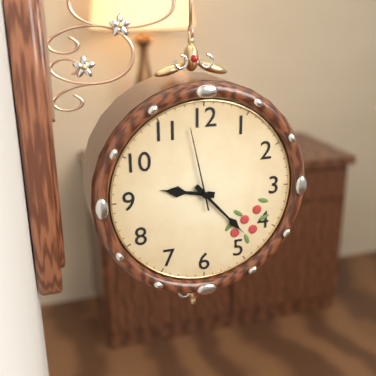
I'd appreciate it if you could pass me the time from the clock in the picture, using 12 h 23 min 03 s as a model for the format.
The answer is 9 h 23 min 58 s
